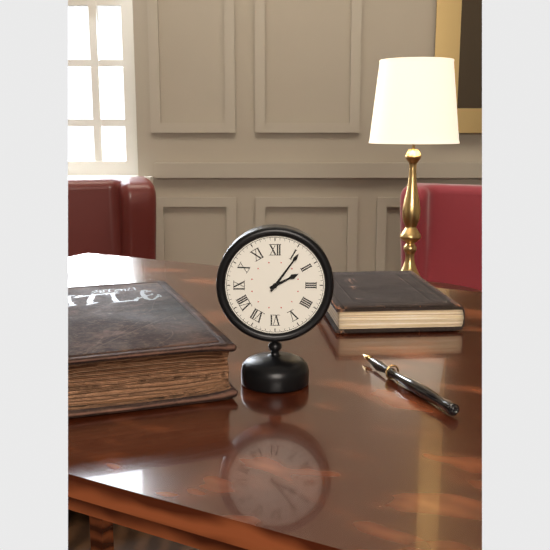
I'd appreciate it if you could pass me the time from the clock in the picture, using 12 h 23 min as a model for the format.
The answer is 2 h 06 min
